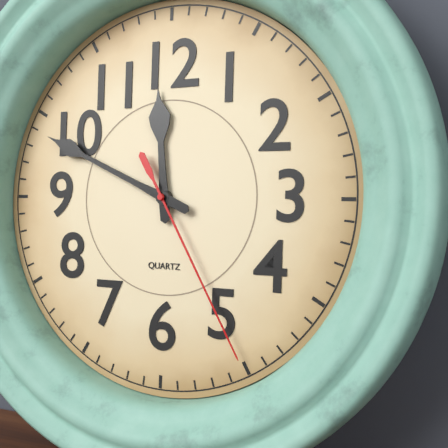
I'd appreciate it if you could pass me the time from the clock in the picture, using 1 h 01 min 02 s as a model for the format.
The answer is 11 h 49 min 25 s
